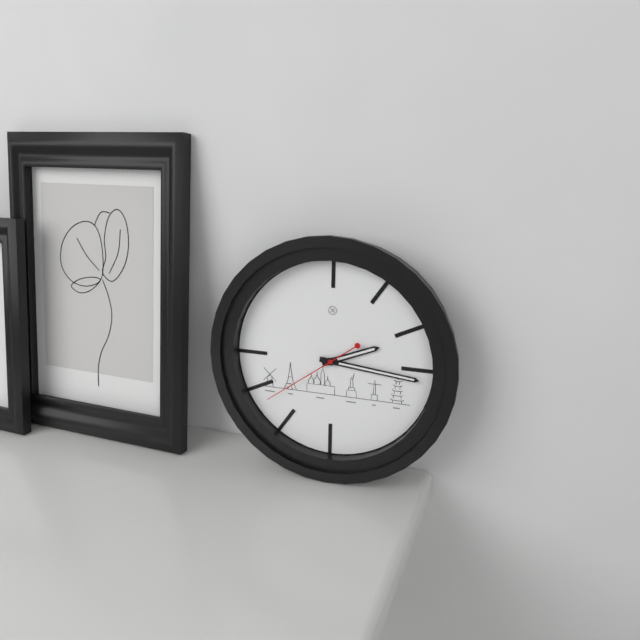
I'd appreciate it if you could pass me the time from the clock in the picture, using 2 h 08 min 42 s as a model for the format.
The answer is 2 h 16 min 39 s
